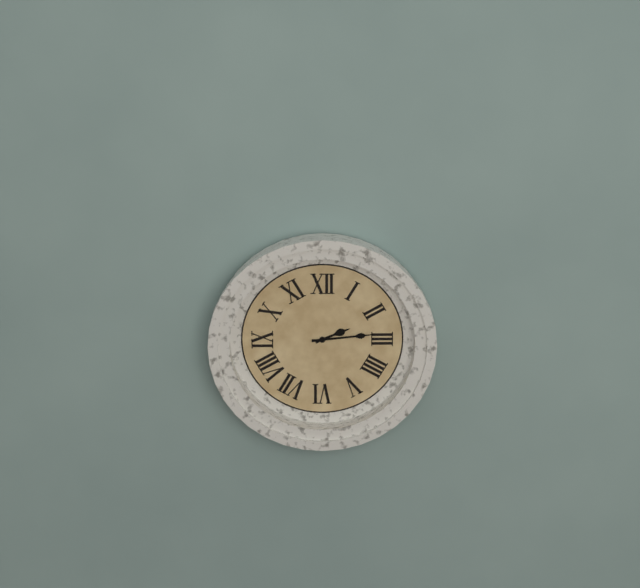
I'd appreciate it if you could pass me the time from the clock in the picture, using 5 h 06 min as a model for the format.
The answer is 2 h 14 min
